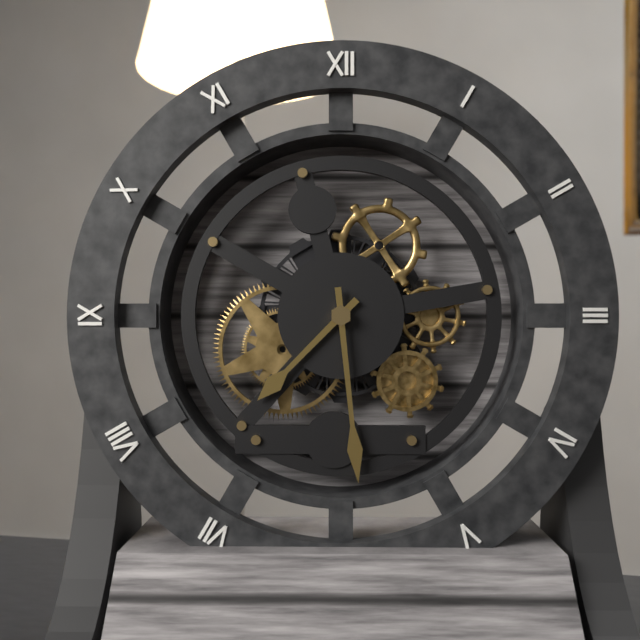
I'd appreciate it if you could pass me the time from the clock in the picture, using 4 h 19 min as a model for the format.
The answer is 7 h 29 min
